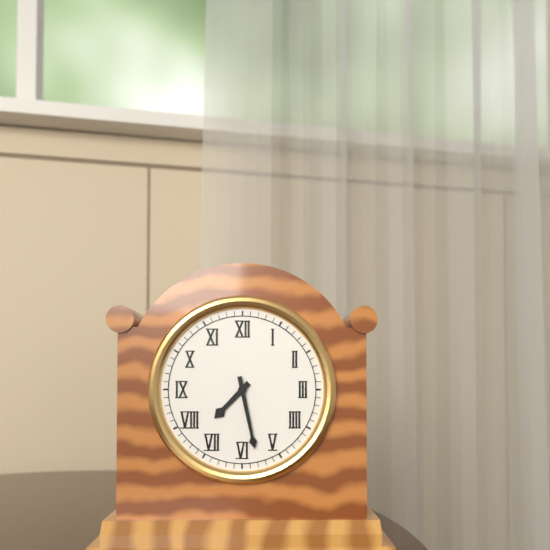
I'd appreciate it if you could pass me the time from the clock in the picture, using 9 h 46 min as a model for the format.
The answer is 7 h 28 min
